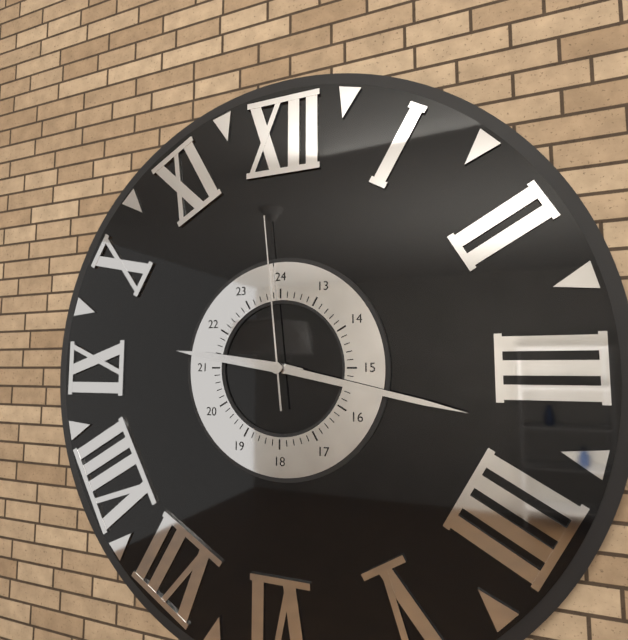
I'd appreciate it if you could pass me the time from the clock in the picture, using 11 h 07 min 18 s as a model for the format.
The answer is 9 h 17 min 59 s
